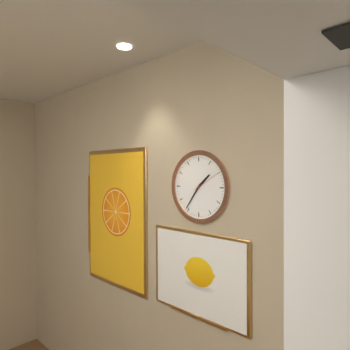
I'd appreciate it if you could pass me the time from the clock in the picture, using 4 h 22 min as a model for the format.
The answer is 1 h 36 min
